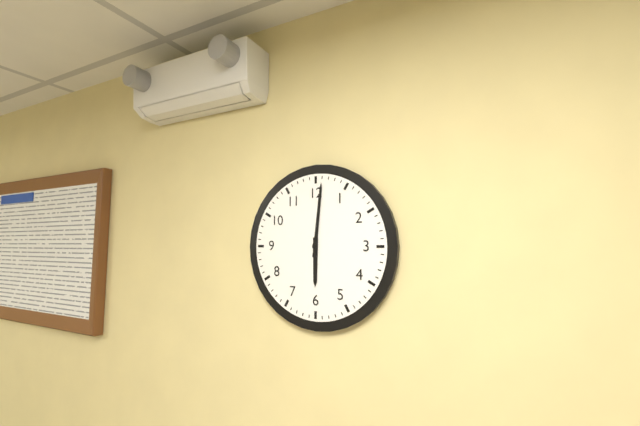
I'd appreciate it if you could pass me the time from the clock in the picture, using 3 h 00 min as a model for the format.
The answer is 6 h 01 min
